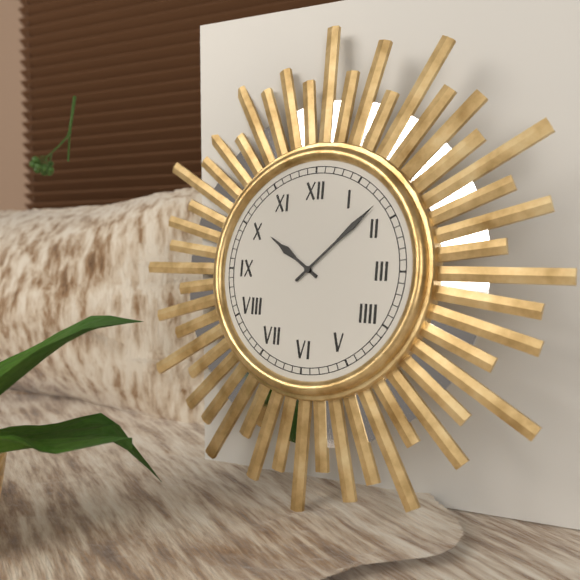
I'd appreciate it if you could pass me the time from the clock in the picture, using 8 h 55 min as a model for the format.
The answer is 10 h 08 min
